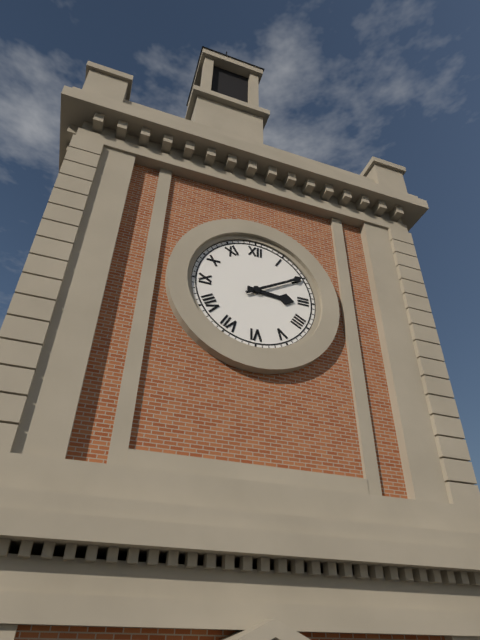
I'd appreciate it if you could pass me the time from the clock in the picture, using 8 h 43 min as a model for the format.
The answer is 3 h 10 min
